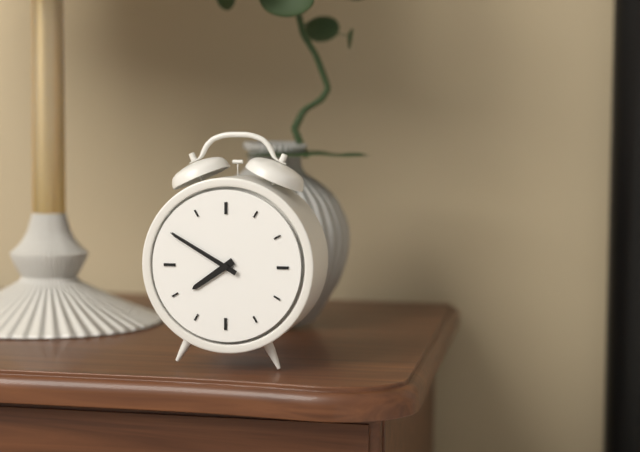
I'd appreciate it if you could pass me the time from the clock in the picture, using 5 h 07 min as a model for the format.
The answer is 7 h 50 min
